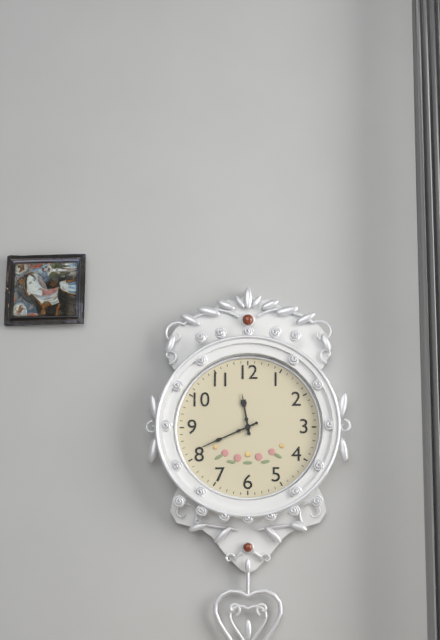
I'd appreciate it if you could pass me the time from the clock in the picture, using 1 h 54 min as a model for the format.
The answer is 11 h 41 min
